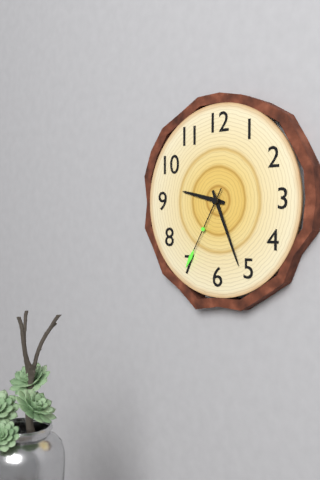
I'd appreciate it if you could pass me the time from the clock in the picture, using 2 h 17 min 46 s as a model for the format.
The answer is 9 h 26 min 35 s
